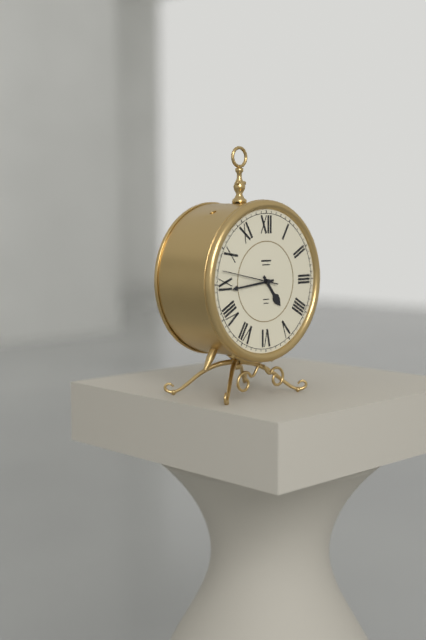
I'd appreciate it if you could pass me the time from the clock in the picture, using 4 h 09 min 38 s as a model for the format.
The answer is 4 h 44 min 47 s
